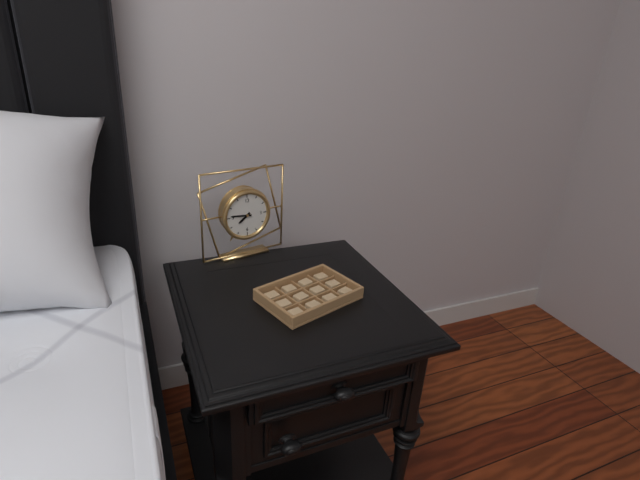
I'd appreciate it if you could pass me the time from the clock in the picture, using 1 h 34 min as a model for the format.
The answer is 7 h 46 min
